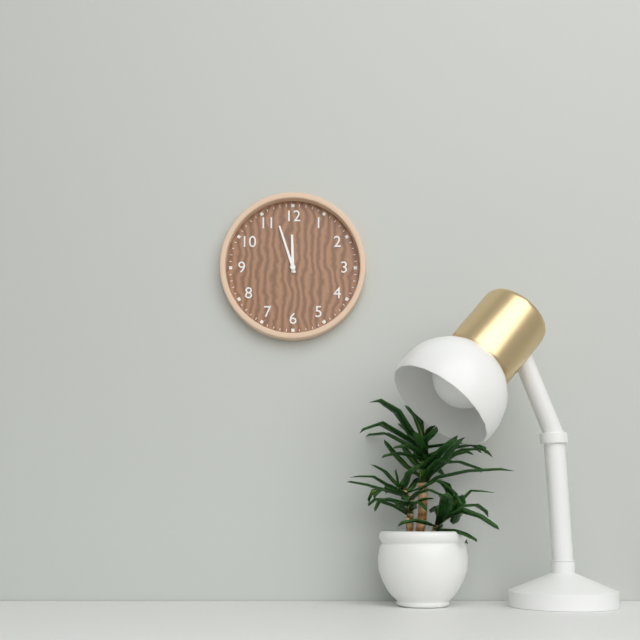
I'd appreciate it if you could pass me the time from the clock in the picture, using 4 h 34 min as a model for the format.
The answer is 11 h 57 min
